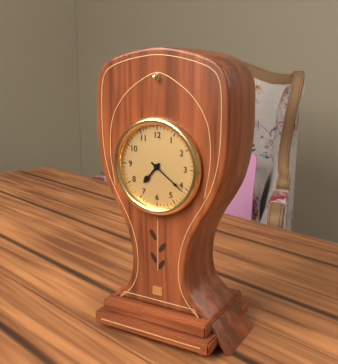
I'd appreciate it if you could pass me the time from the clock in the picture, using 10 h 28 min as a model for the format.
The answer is 7 h 21 min
